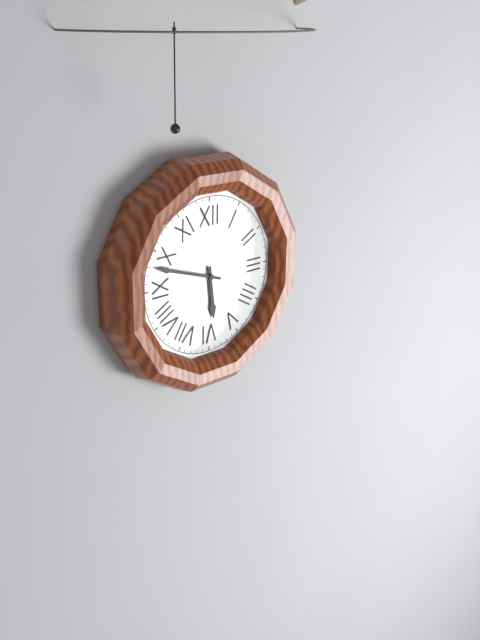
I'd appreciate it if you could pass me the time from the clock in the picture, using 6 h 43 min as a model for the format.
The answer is 5 h 48 min
